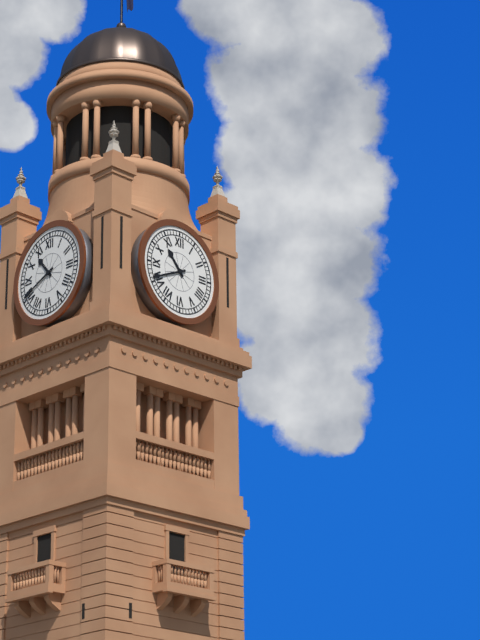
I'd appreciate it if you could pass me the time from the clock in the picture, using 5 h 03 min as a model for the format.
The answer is 10 h 41 min
